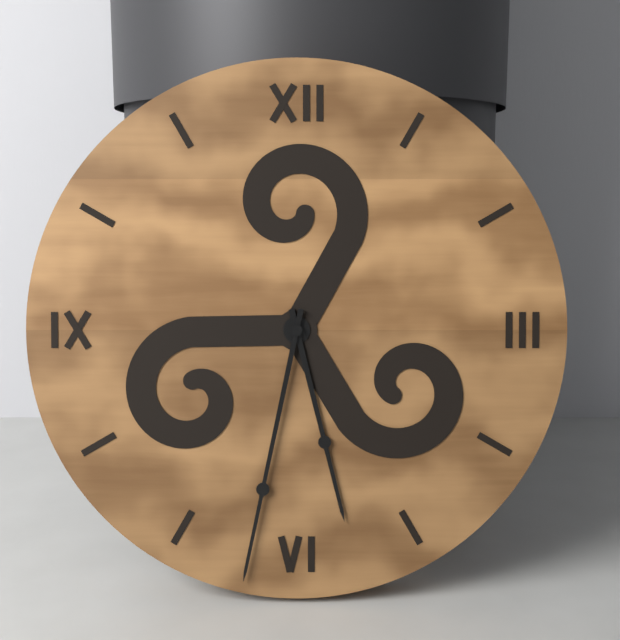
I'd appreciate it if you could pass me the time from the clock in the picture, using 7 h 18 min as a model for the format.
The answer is 5 h 32 min
